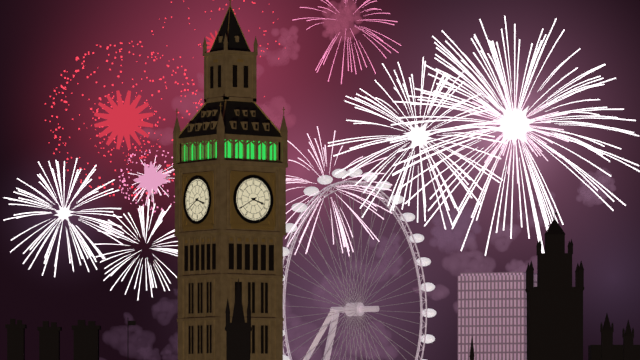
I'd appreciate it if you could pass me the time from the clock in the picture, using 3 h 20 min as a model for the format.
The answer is 3 h 40 min
